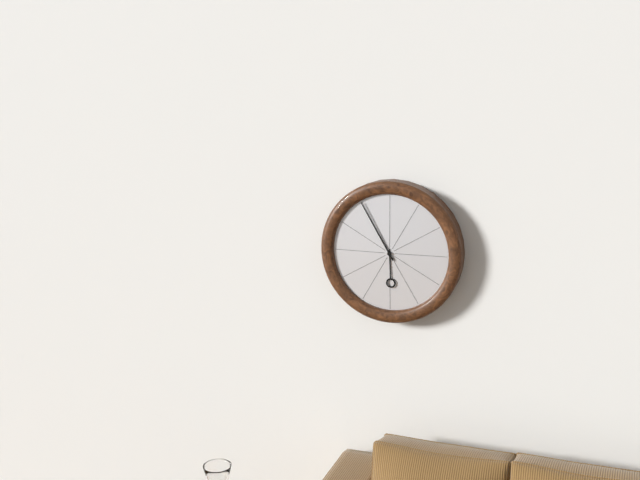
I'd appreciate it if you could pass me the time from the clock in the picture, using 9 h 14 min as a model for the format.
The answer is 5 h 55 min
